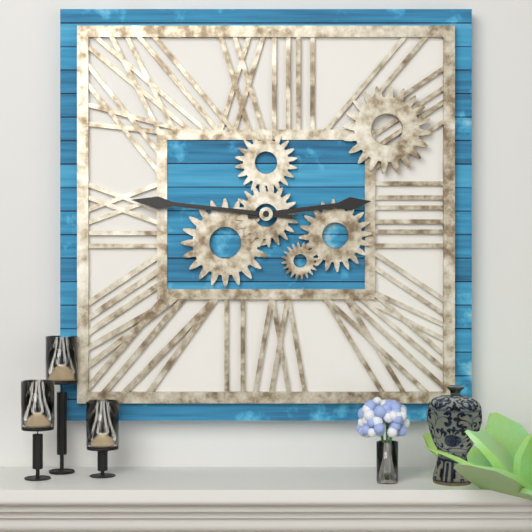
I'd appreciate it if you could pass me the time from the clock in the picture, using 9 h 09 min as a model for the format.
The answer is 2 h 46 min
